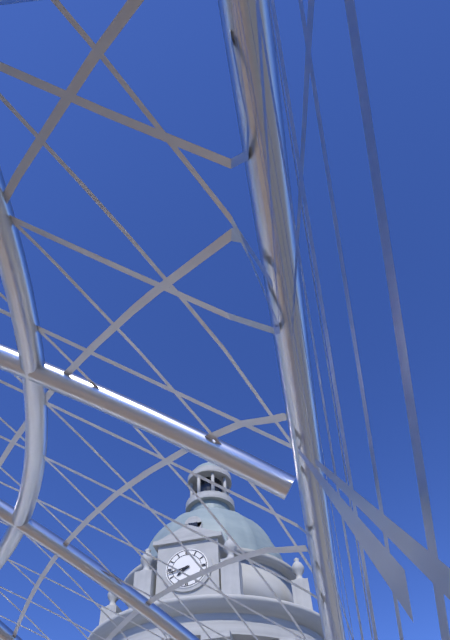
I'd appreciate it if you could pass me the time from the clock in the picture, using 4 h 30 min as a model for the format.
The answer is 7 h 43 min
